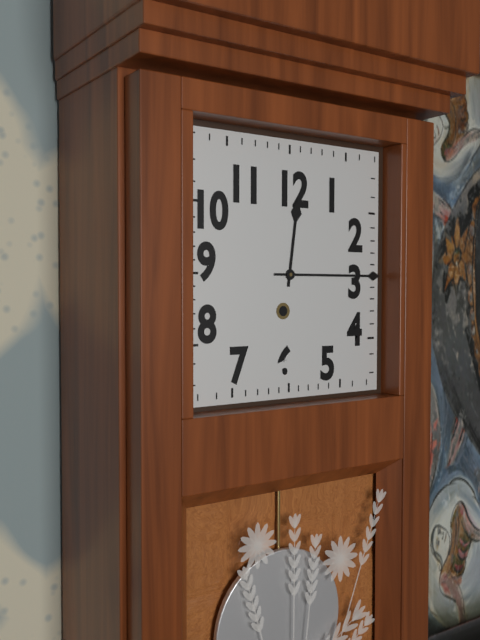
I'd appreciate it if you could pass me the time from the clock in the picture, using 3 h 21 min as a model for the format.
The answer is 12 h 15 min
